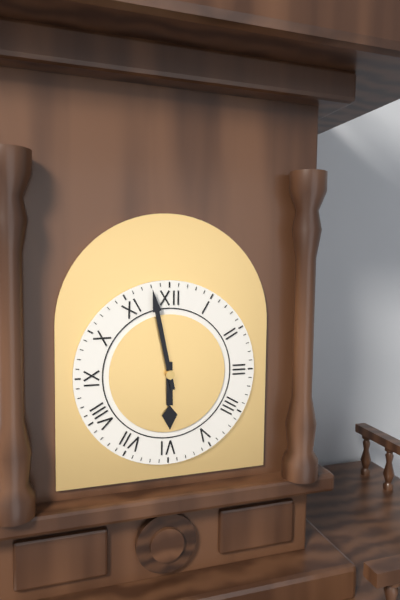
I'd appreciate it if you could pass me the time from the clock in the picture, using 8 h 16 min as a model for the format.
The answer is 5 h 58 min
